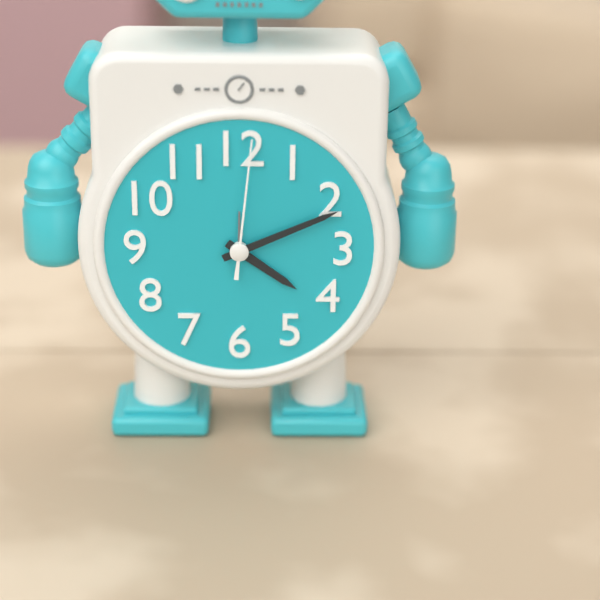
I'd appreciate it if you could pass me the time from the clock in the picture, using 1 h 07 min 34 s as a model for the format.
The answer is 4 h 11 min 01 s
